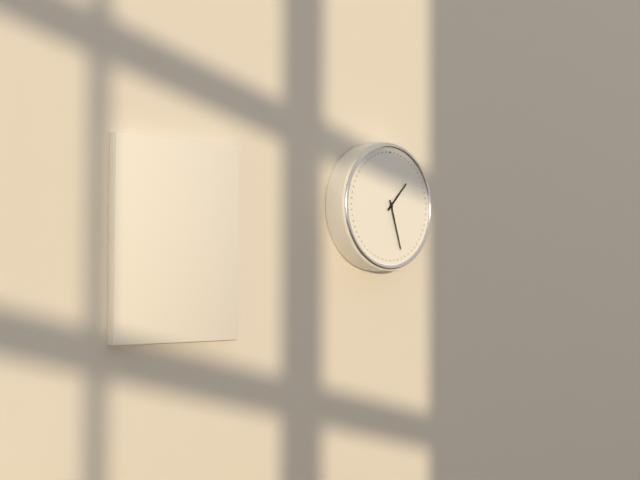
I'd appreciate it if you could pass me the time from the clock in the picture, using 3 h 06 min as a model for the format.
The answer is 1 h 27 min
